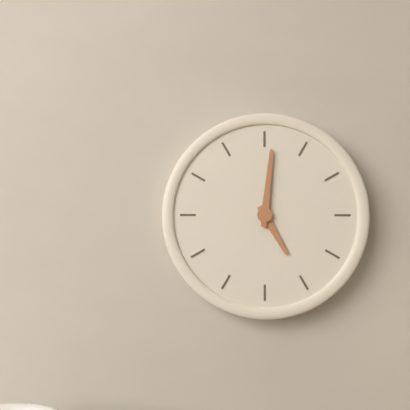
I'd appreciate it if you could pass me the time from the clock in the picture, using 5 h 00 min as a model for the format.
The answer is 5 h 01 min
